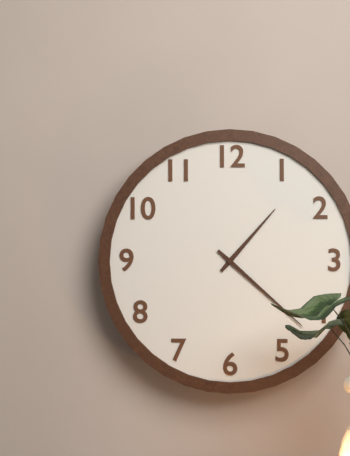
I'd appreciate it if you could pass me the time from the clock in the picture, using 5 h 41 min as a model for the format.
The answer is 1 h 22 min
